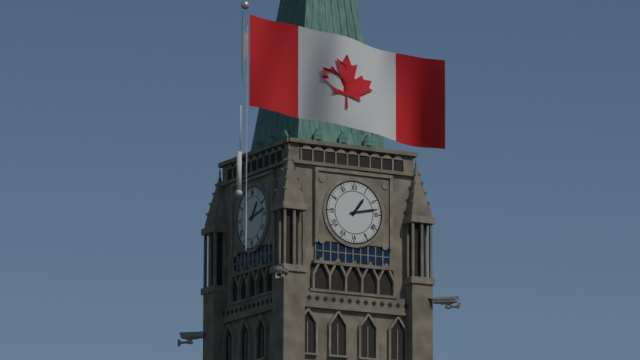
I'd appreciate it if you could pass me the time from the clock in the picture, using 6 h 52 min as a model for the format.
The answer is 1 h 13 min
